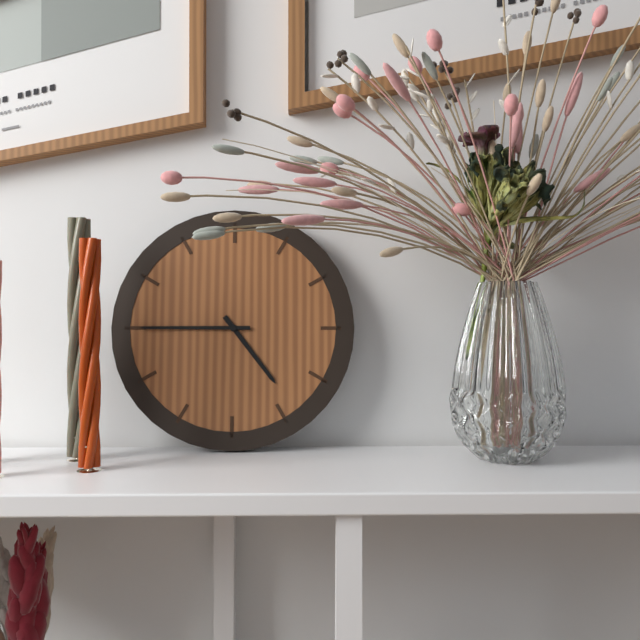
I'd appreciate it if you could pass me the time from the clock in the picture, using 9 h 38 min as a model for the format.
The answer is 4 h 45 min
